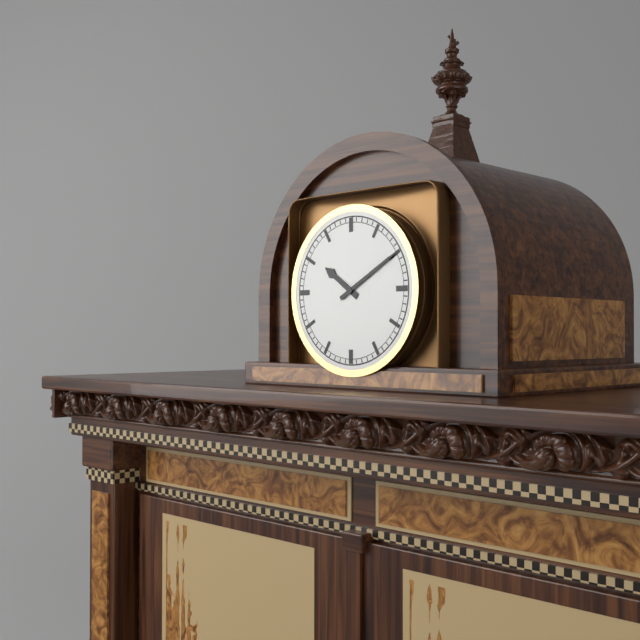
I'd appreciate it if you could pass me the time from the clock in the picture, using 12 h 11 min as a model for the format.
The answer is 10 h 10 min
